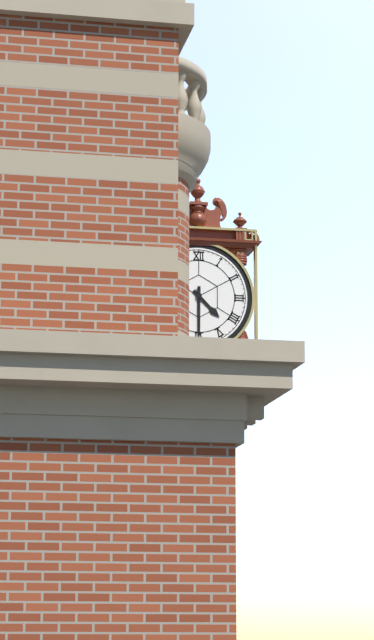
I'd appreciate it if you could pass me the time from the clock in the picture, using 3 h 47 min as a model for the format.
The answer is 4 h 30 min
